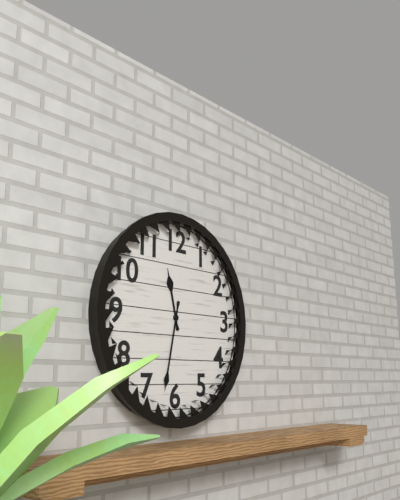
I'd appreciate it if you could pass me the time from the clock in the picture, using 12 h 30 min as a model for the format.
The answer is 11 h 32 min
